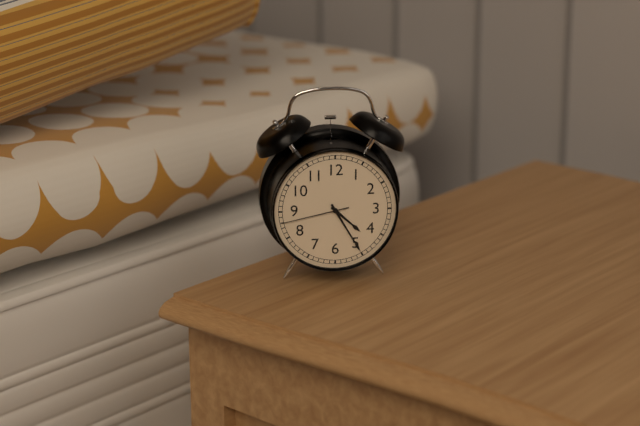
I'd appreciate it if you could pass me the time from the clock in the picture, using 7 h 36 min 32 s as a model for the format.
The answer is 4 h 25 min 43 s
